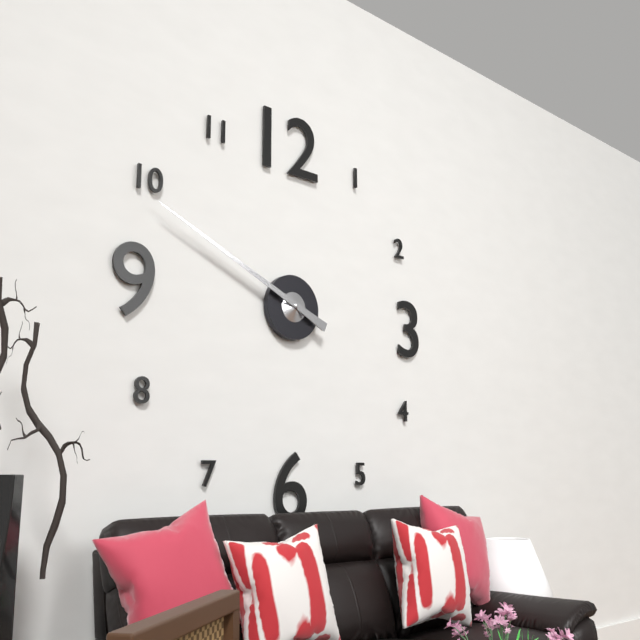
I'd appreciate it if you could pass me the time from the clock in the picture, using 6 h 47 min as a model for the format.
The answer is 9 h 49 min
